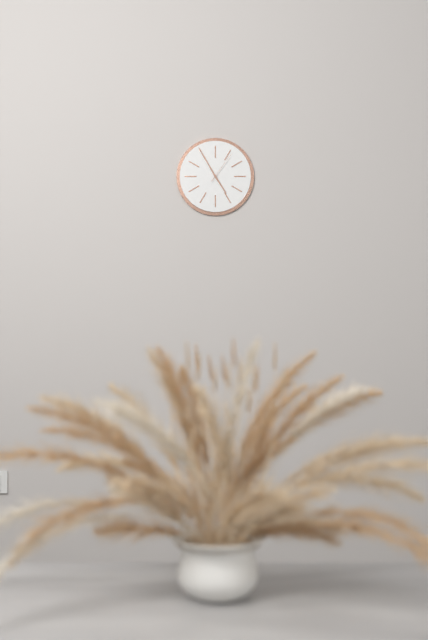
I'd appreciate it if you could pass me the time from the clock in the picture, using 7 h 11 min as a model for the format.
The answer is 4 h 55 min
